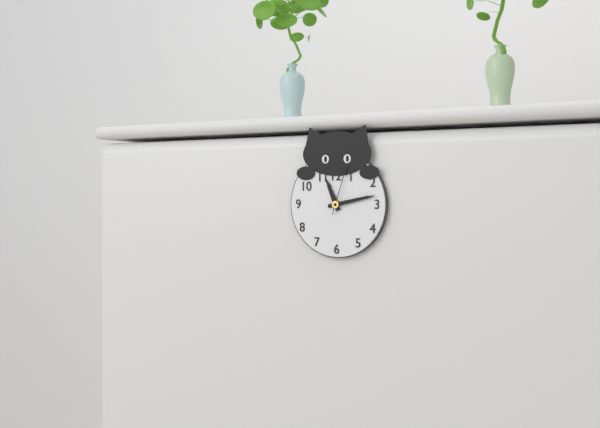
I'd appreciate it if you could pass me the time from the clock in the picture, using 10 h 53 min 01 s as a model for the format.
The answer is 11 h 13 min 03 s
